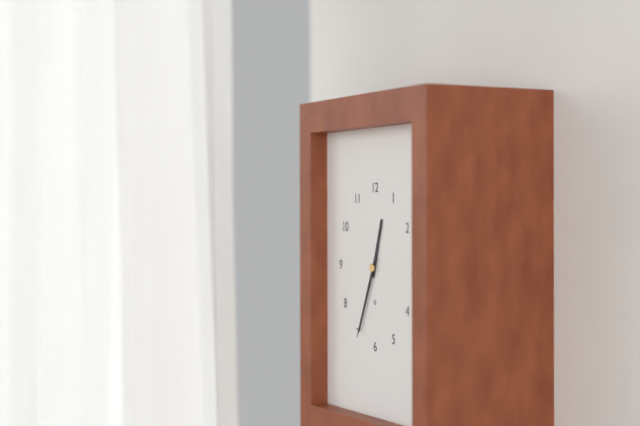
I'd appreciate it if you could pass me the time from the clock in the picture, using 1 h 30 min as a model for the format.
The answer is 12 h 34 min
